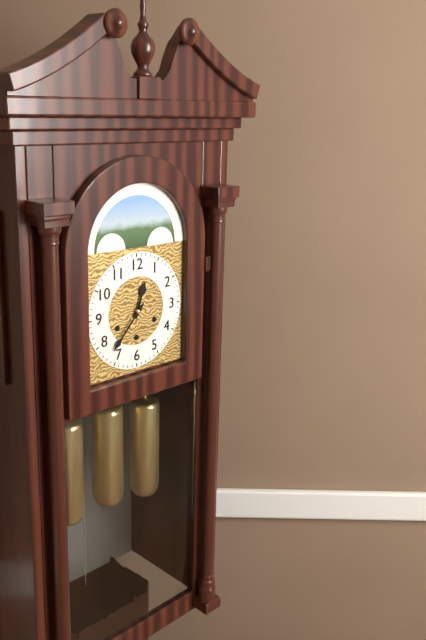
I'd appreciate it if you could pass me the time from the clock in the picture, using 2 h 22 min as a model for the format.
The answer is 12 h 37 min
